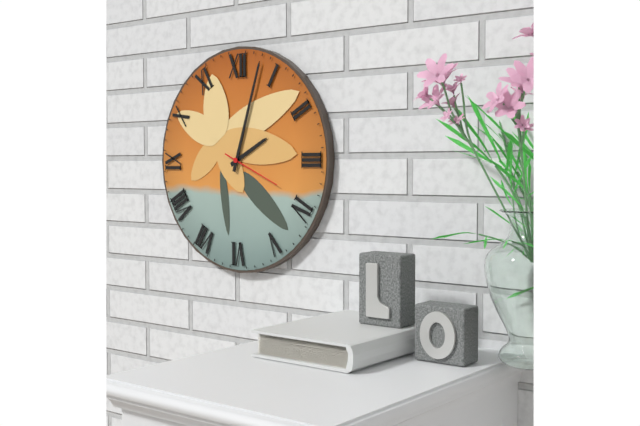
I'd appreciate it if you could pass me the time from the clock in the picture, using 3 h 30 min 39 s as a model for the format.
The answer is 2 h 03 min 19 s
